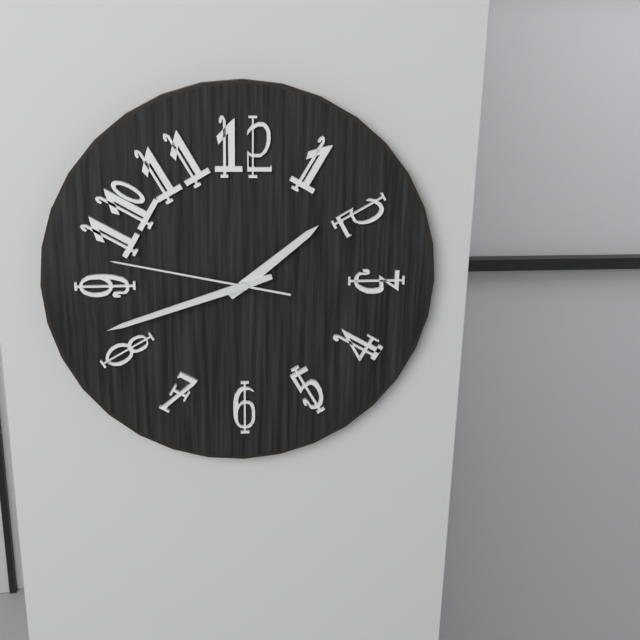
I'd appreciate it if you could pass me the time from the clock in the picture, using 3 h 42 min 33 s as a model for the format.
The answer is 1 h 42 min 47 s
